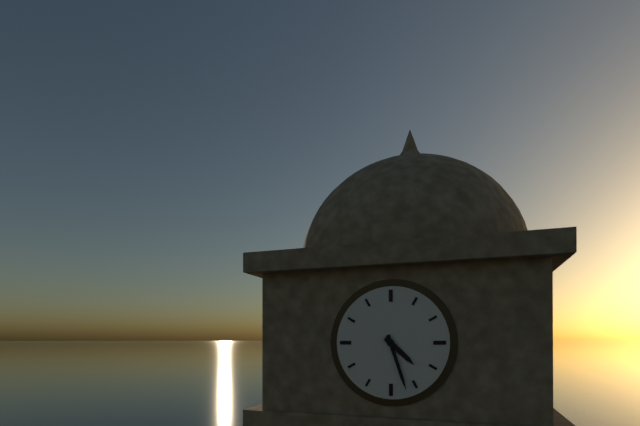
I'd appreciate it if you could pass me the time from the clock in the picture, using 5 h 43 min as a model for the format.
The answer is 4 h 27 min
